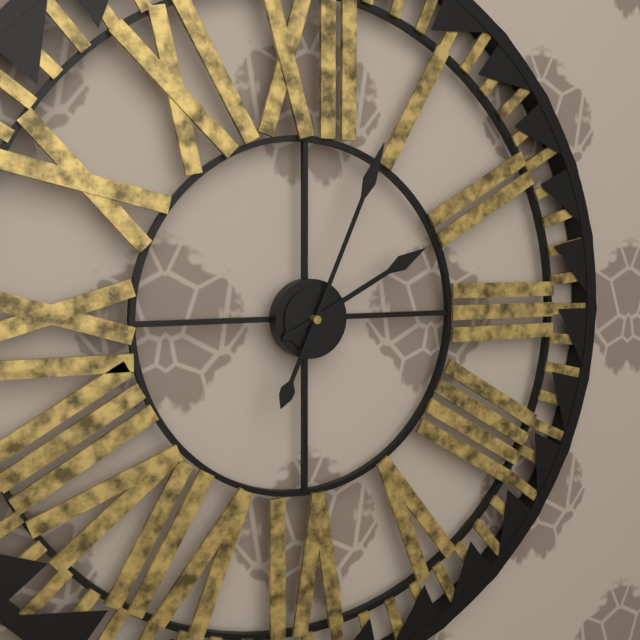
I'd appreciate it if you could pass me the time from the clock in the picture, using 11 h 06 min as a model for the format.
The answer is 2 h 04 min
